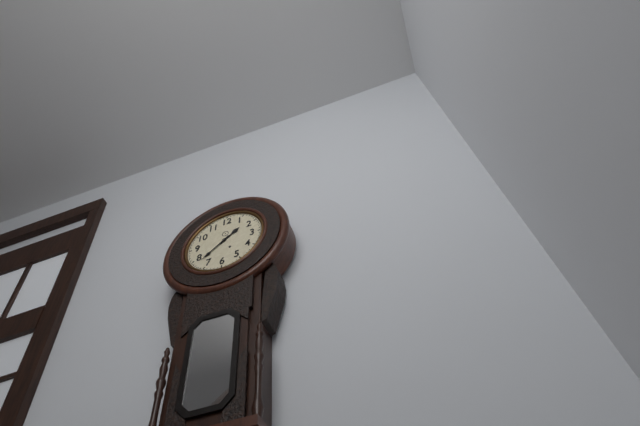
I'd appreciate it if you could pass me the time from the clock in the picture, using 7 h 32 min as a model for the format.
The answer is 1 h 38 min
